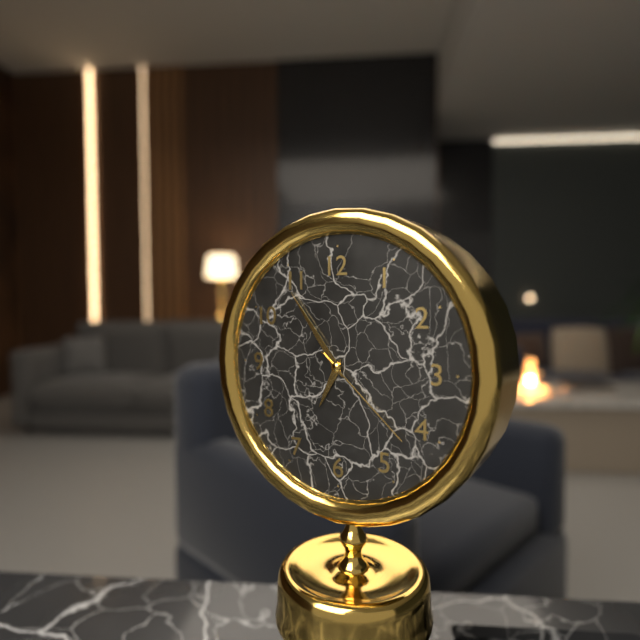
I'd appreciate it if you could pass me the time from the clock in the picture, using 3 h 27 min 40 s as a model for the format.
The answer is 6 h 54 min 22 s
